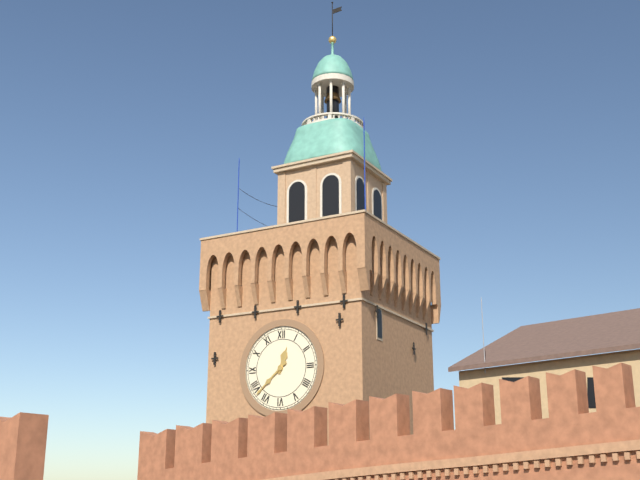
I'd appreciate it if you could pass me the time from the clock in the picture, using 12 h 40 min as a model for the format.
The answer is 12 h 38 min
